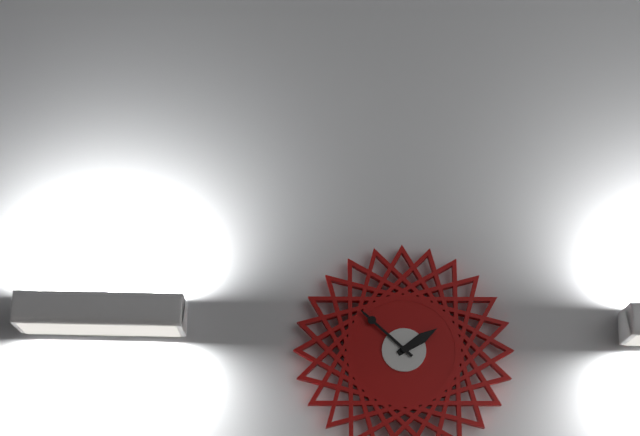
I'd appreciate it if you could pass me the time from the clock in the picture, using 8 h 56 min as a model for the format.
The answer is 1 h 52 min
